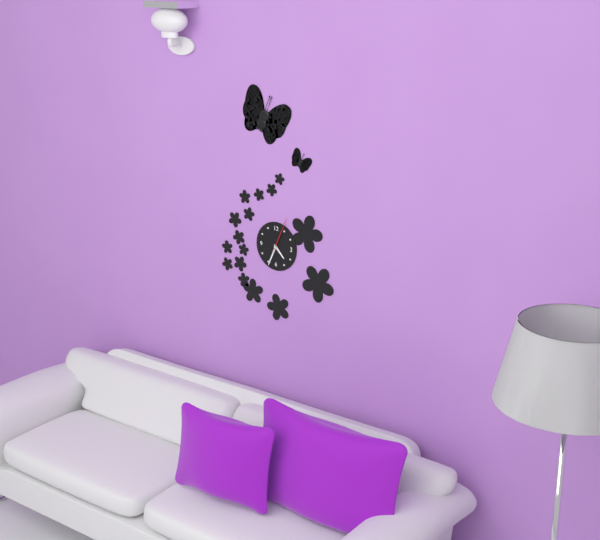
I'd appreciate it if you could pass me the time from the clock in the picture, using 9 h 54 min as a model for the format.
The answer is 4 h 34 min
